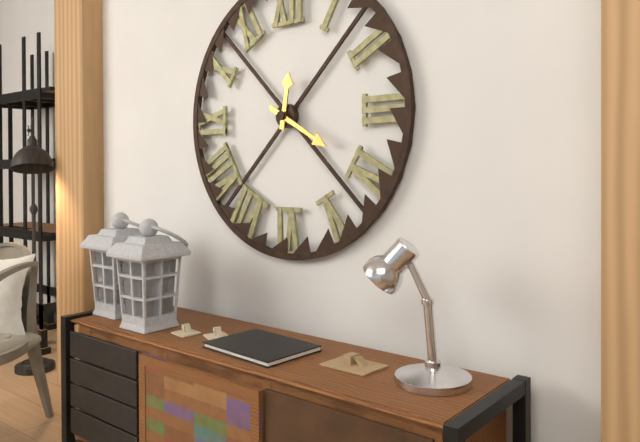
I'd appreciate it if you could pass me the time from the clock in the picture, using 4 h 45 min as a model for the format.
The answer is 12 h 20 min
